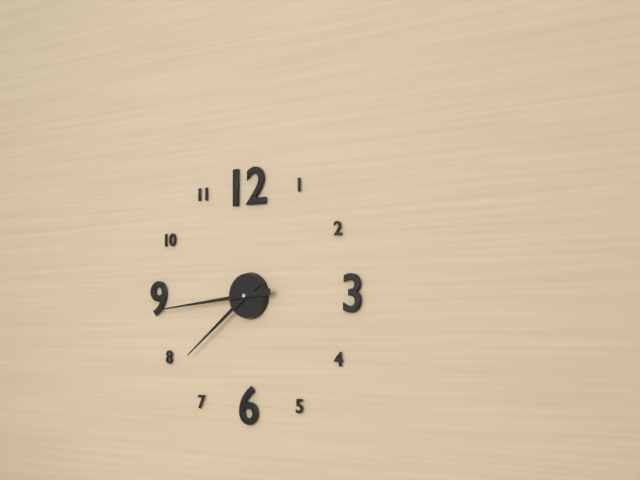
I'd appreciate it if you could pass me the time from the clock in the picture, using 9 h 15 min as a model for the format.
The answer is 7 h 44 min
